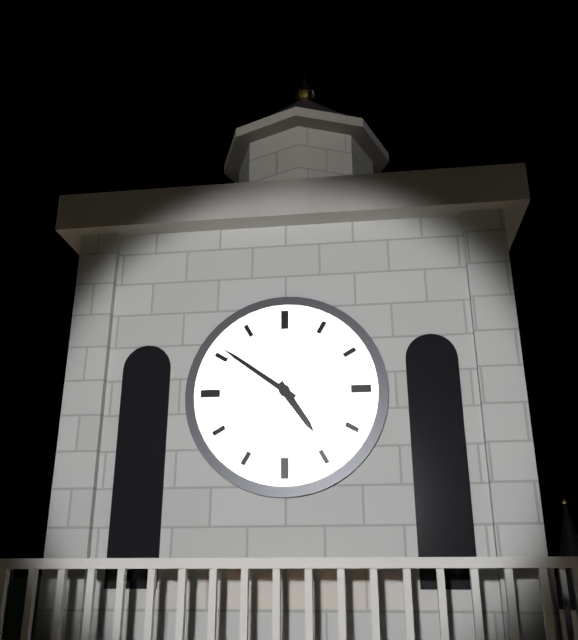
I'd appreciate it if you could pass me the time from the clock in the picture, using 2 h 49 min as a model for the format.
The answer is 4 h 51 min
